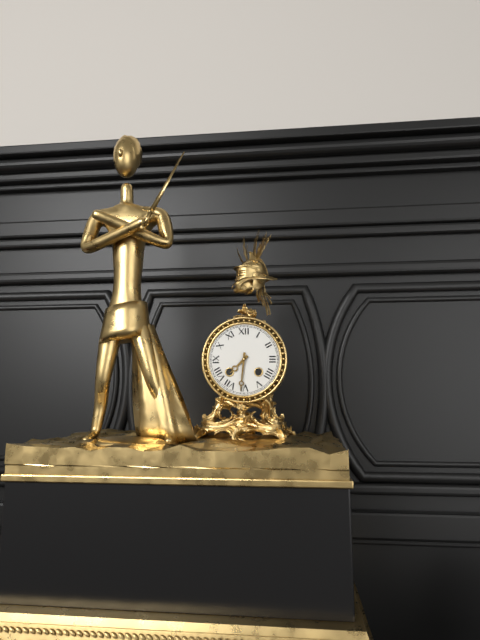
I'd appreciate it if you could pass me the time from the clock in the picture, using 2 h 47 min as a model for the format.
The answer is 7 h 31 min
